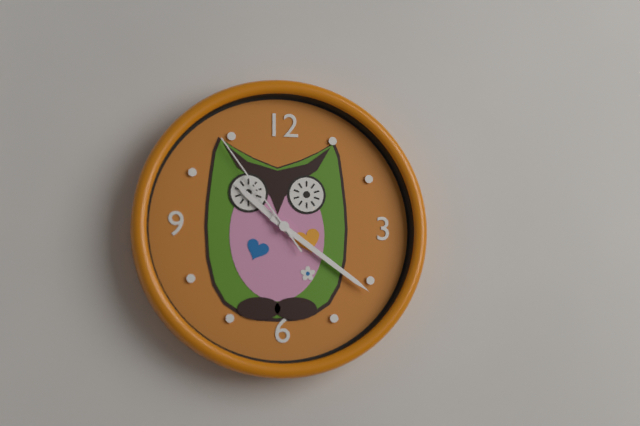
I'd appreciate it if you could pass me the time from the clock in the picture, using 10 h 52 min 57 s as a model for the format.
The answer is 10 h 21 min 54 s
